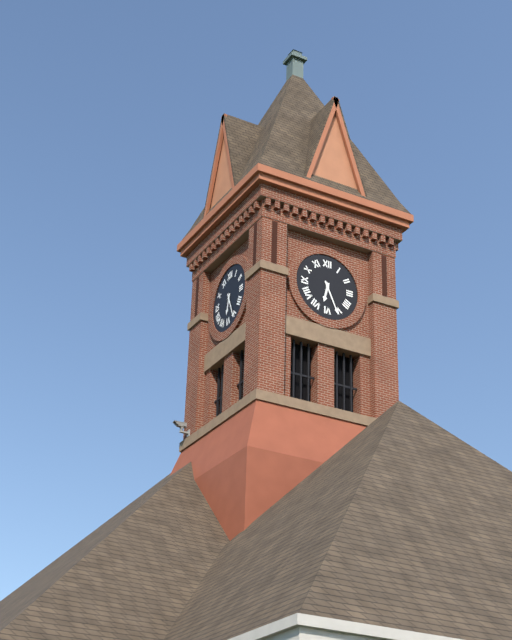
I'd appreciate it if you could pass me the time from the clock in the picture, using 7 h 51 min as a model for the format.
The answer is 6 h 26 min
